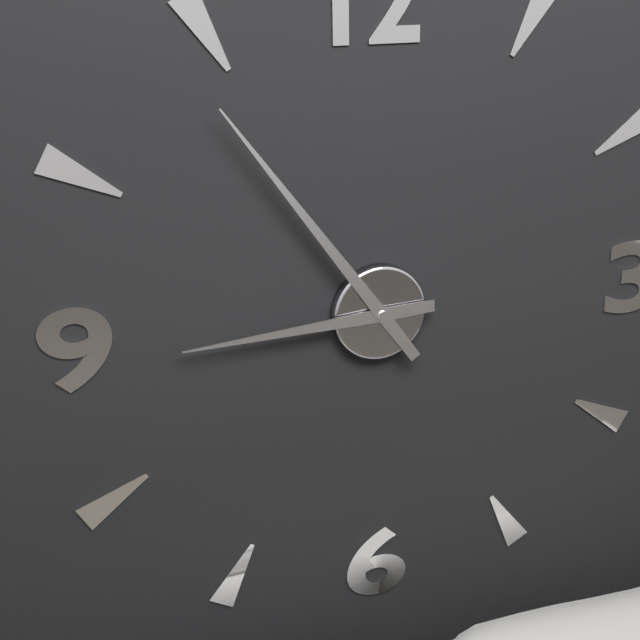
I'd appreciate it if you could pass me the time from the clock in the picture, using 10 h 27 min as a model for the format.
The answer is 8 h 54 min
